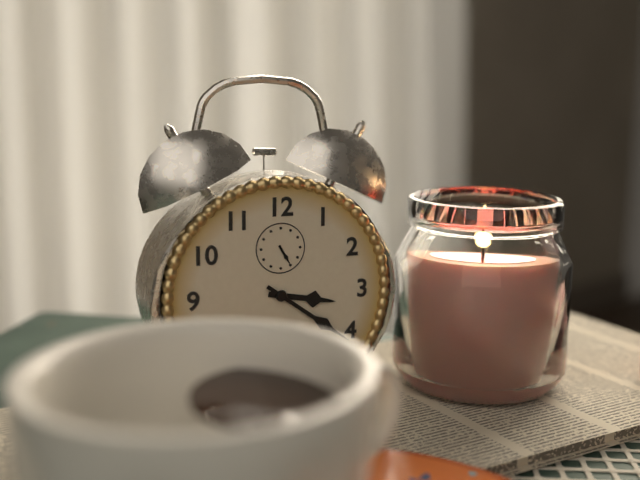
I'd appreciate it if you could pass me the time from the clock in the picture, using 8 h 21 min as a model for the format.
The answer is 3 h 21 min
